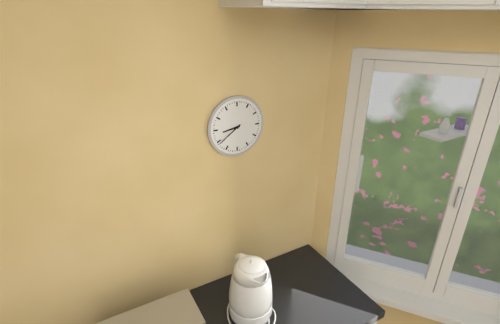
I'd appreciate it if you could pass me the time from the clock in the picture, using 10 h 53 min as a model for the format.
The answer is 8 h 39 min
